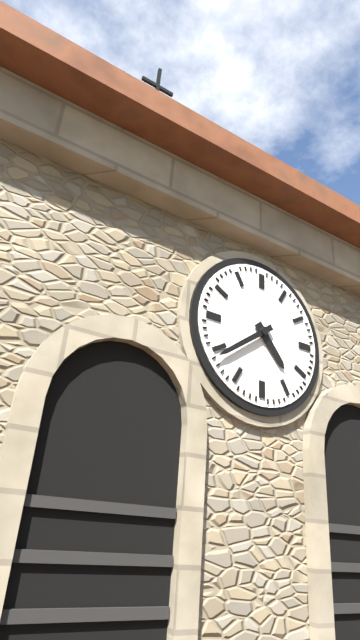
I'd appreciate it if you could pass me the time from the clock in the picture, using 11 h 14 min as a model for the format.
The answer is 4 h 39 min
